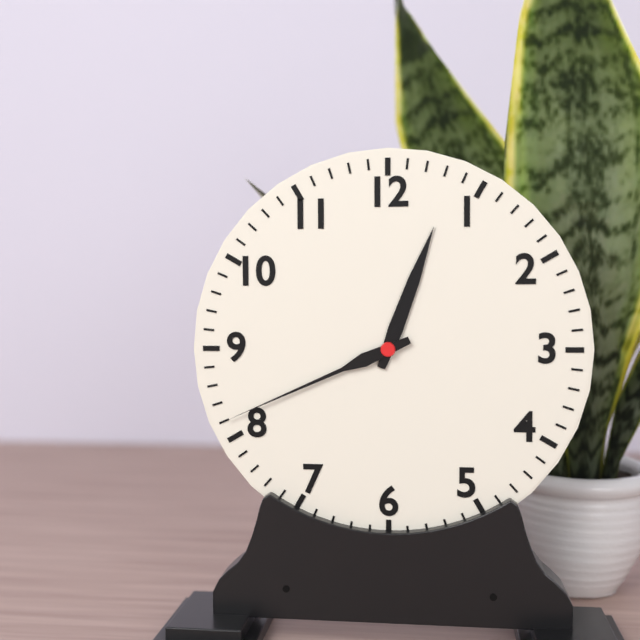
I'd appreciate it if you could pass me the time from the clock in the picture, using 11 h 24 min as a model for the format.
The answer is 12 h 41 min
